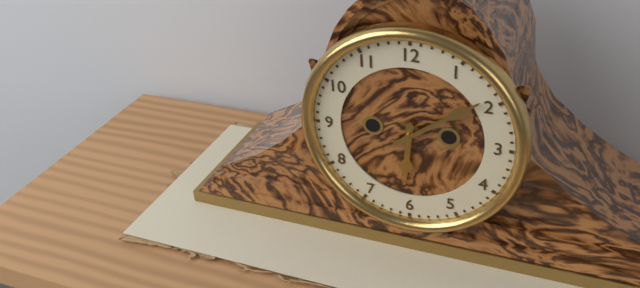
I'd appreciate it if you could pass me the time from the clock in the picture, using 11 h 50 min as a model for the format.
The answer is 6 h 09 min
